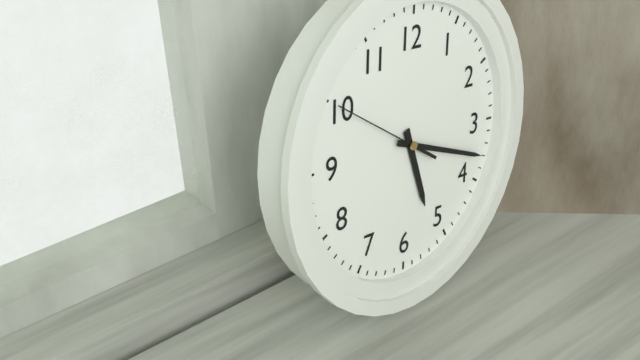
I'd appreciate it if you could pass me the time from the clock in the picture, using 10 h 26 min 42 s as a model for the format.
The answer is 5 h 18 min 50 s
